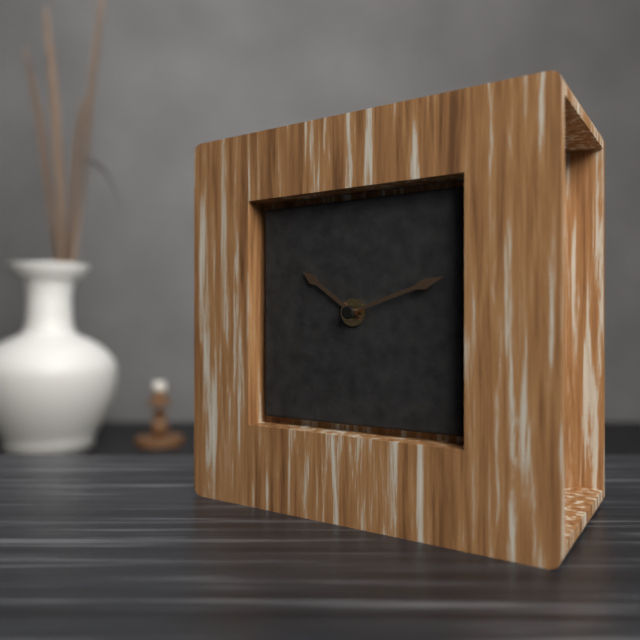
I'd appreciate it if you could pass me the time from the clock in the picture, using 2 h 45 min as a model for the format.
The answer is 10 h 12 min
